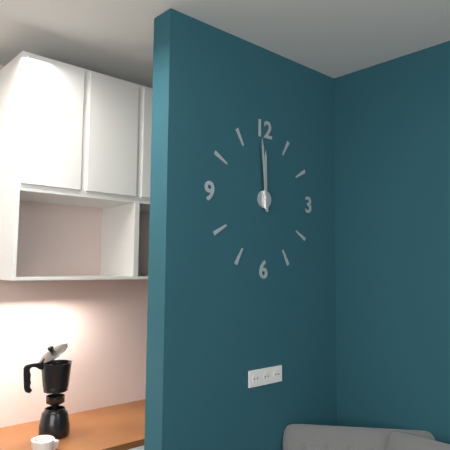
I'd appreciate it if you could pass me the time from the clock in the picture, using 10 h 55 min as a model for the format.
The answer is 11 h 59 min
